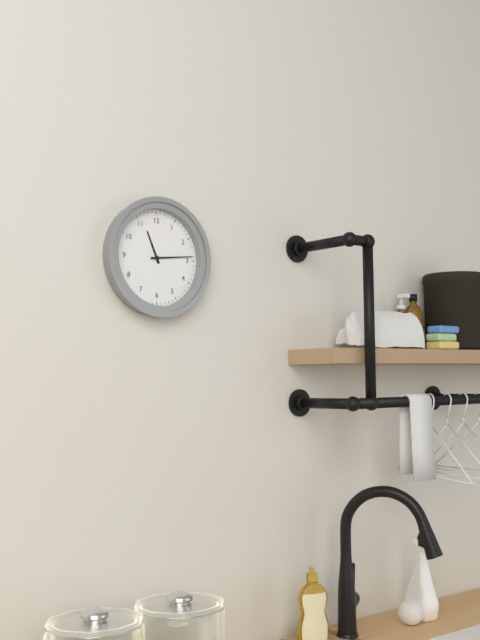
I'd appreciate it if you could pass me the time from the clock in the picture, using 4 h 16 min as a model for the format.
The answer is 11 h 14 min
